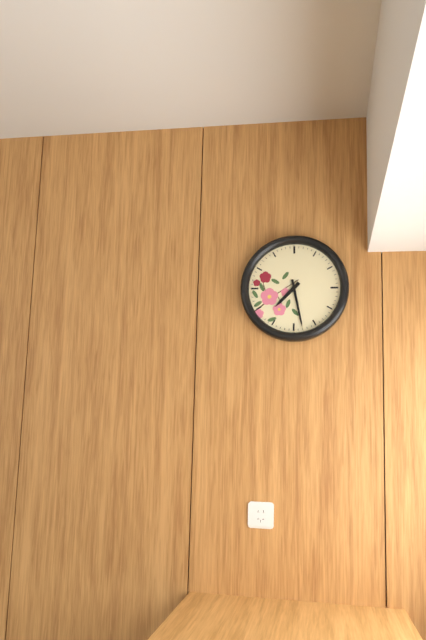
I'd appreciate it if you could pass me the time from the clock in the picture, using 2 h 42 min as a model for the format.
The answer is 7 h 28 min
